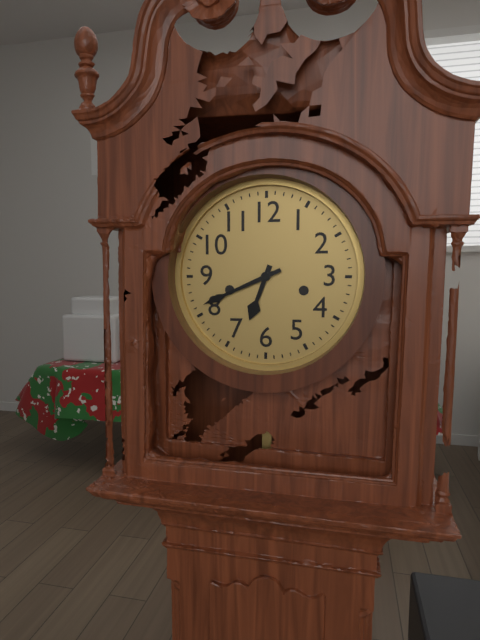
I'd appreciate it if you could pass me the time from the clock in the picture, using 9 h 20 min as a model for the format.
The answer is 6 h 41 min
